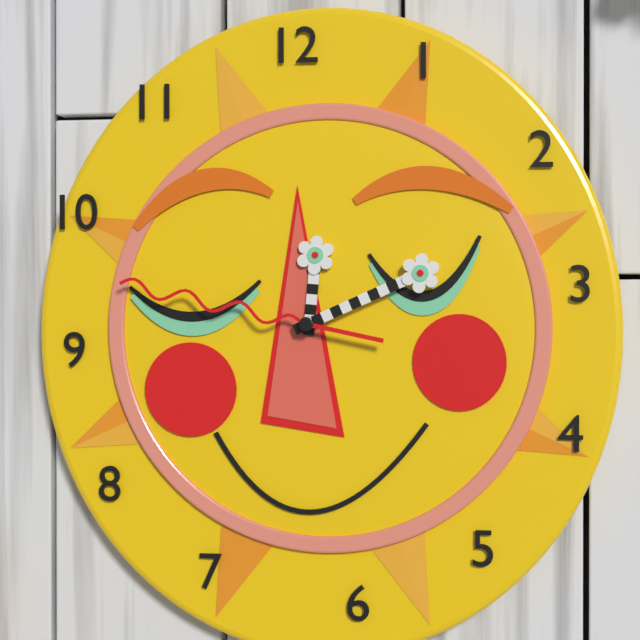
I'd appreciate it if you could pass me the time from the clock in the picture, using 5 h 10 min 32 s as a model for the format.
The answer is 12 h 11 min 47 s
